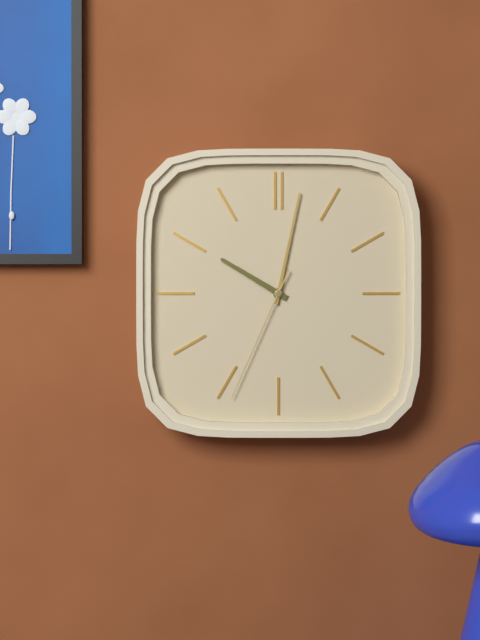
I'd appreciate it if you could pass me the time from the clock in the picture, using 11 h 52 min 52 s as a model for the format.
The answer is 10 h 02 min 34 s
